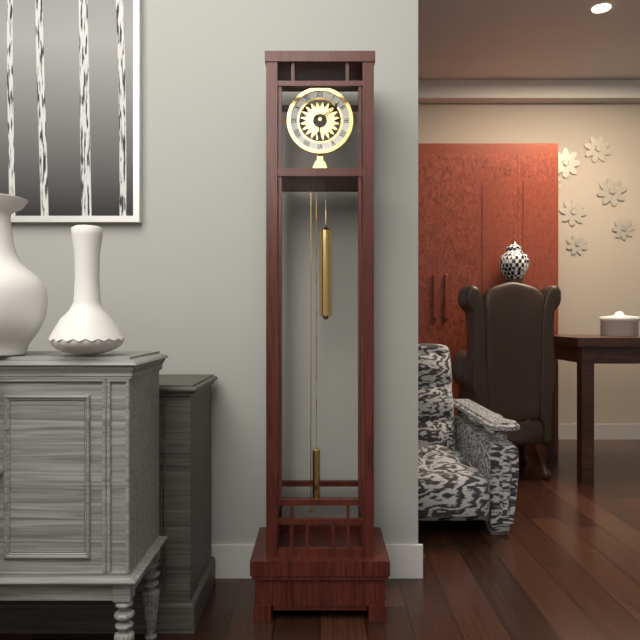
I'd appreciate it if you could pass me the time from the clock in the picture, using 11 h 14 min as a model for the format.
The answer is 6 h 08 min
